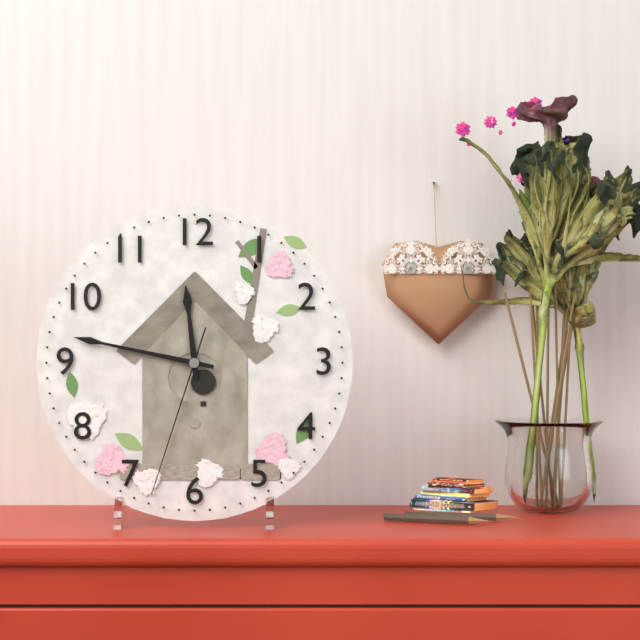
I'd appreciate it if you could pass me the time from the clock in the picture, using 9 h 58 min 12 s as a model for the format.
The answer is 11 h 47 min 33 s
